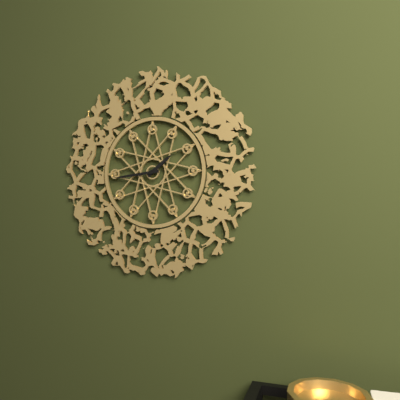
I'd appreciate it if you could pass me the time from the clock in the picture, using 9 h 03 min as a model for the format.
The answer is 1 h 44 min
